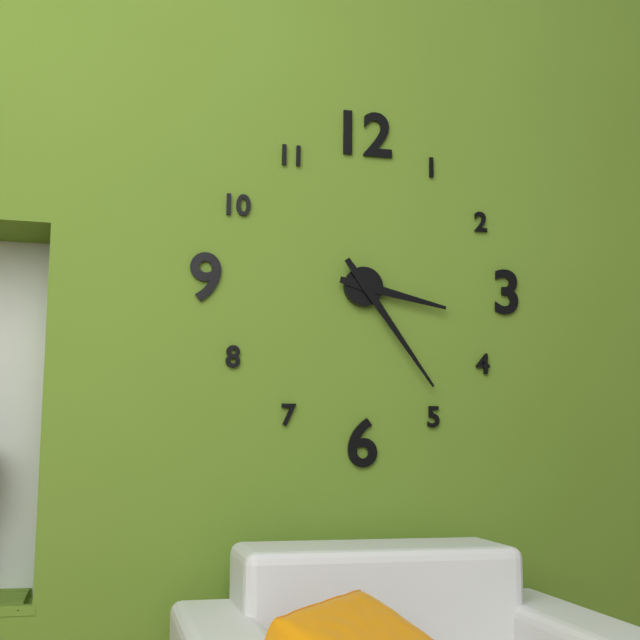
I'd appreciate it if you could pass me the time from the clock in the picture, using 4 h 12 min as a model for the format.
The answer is 3 h 24 min
